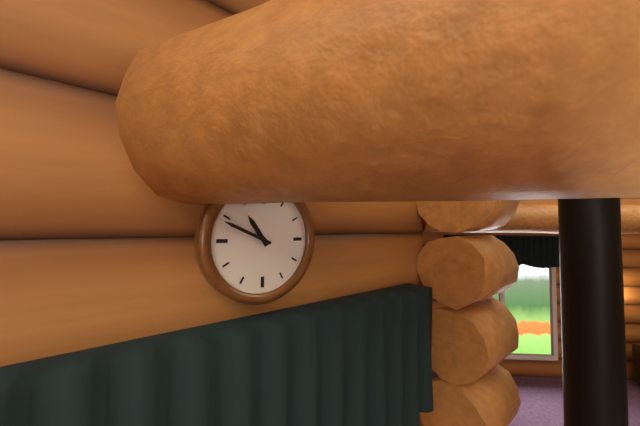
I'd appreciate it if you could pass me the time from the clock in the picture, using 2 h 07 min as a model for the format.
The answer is 10 h 49 min
